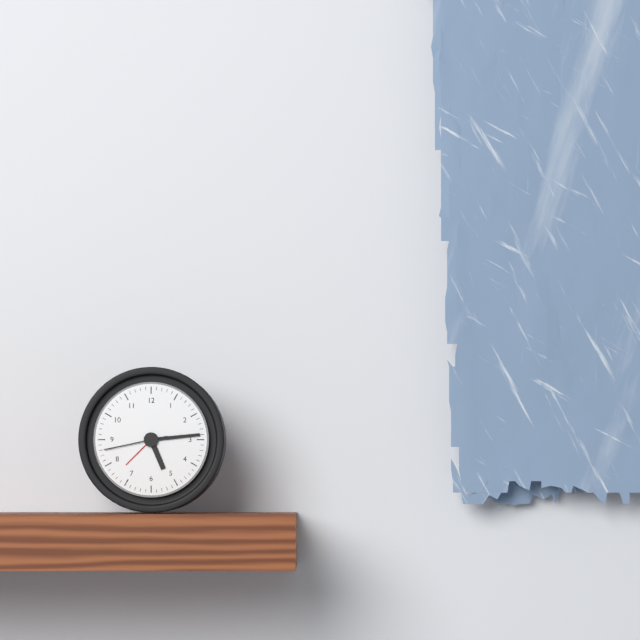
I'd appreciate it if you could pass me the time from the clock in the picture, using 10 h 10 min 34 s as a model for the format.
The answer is 5 h 14 min 43 s
